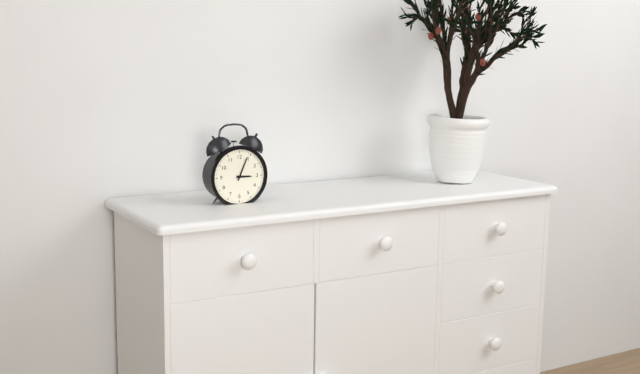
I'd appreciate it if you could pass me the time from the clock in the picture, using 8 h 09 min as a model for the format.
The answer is 3 h 04 min
